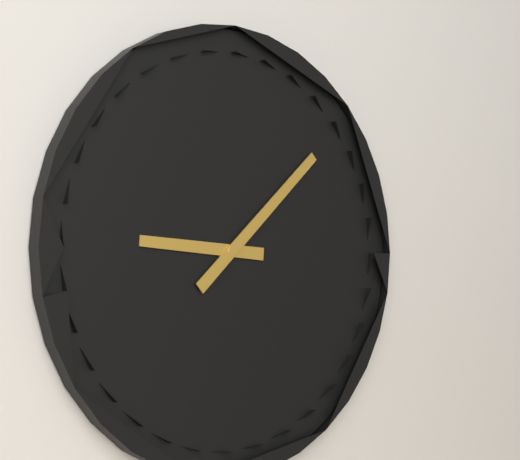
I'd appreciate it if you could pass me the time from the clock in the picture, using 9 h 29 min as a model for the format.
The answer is 9 h 08 min
